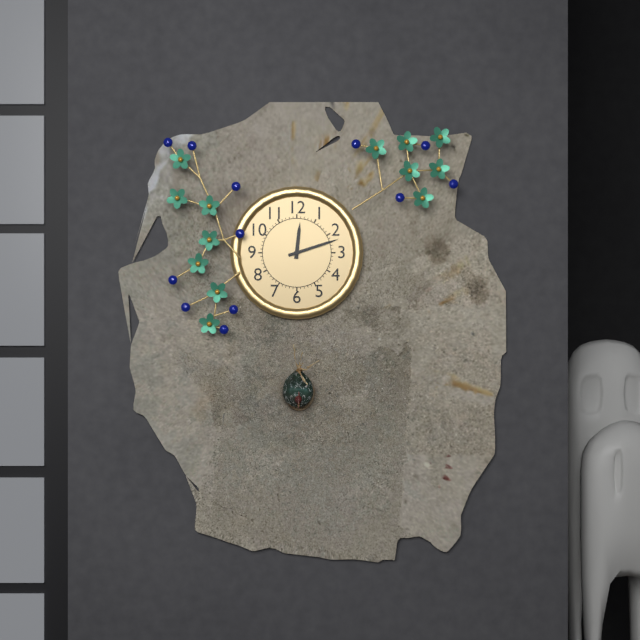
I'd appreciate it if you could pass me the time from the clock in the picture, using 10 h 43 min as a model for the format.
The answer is 12 h 12 min
